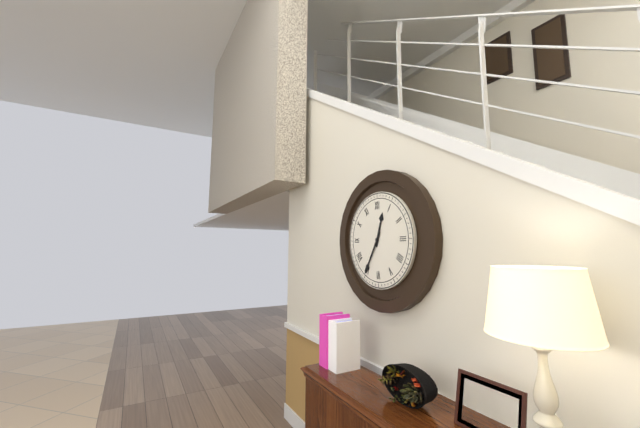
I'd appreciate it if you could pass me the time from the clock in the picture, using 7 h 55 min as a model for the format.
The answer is 12 h 35 min
